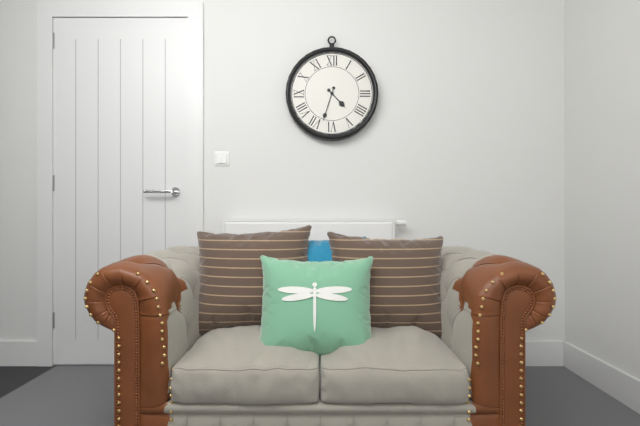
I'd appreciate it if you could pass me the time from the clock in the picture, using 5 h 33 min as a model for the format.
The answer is 4 h 33 min
